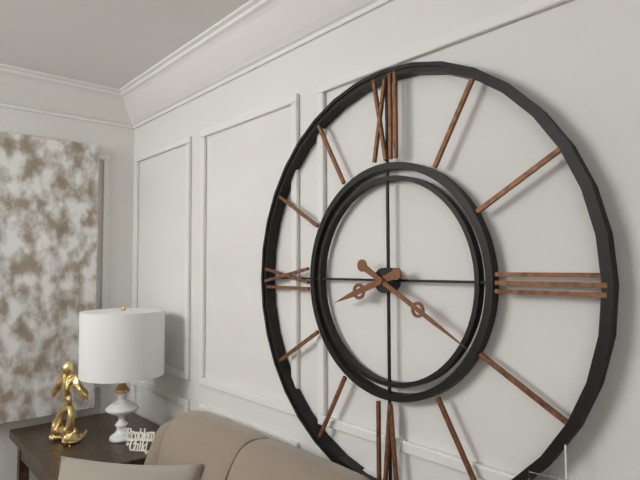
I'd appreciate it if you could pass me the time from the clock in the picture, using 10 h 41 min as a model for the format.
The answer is 8 h 20 min
